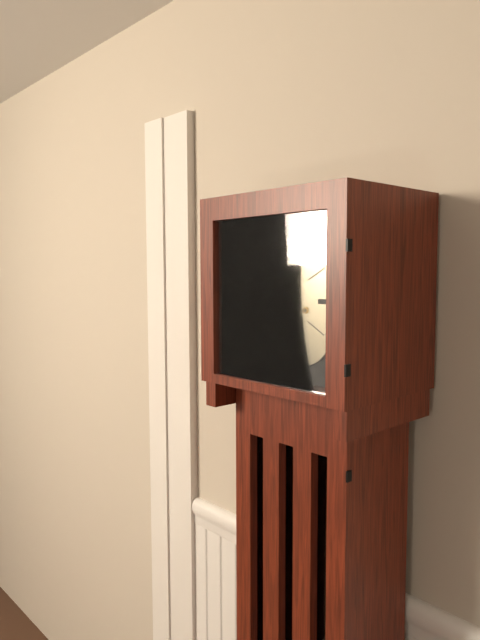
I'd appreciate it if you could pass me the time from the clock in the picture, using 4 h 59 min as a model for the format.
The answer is 8 h 45 min
